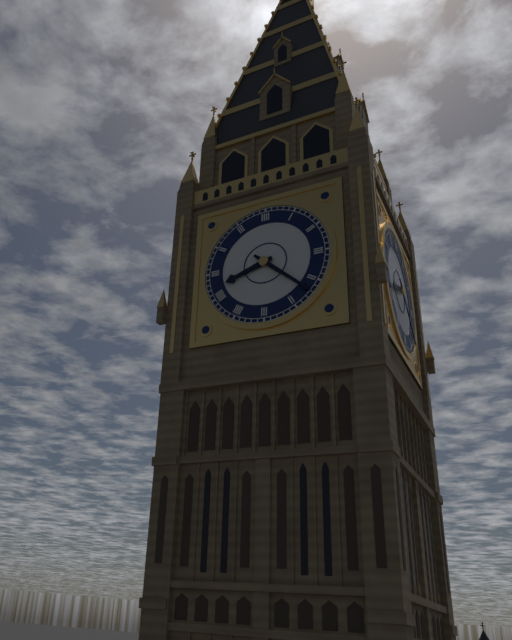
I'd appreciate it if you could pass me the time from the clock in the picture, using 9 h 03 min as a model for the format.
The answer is 8 h 22 min
